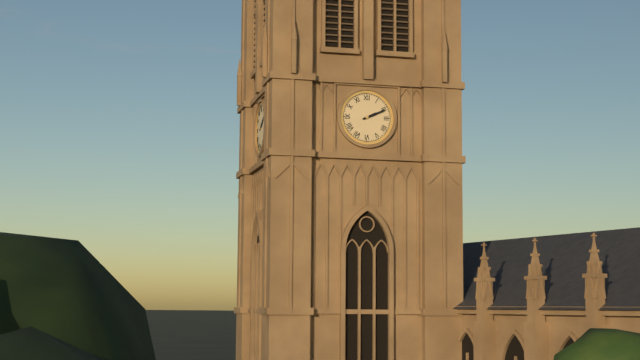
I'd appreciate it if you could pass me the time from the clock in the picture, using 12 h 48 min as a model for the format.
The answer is 2 h 11 min
